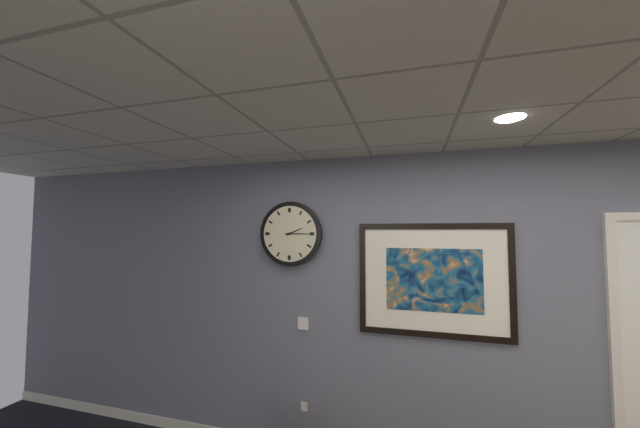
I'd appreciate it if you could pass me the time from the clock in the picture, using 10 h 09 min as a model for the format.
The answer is 2 h 15 min
